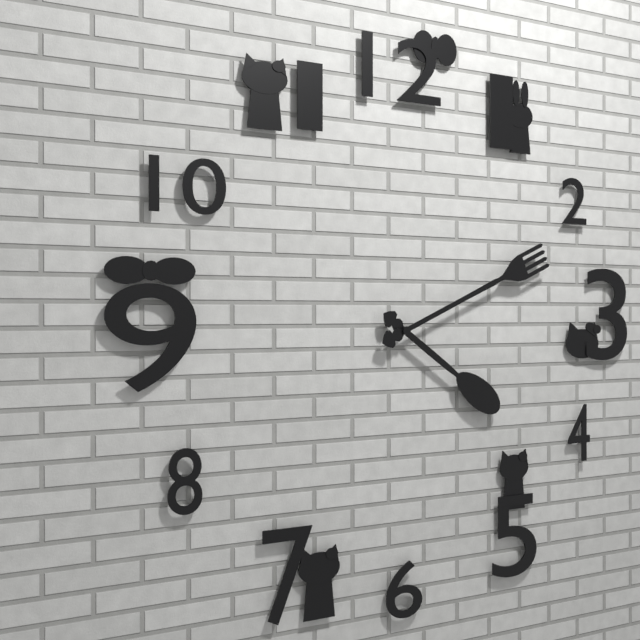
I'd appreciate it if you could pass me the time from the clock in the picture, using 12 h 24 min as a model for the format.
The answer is 4 h 11 min
